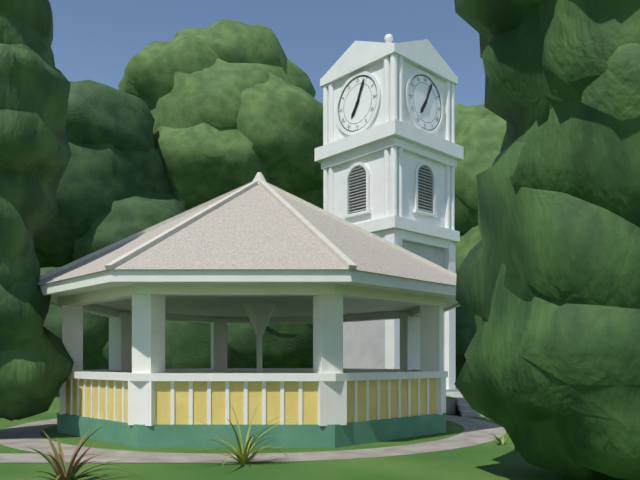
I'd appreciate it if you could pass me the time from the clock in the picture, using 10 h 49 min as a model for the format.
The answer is 7 h 04 min
